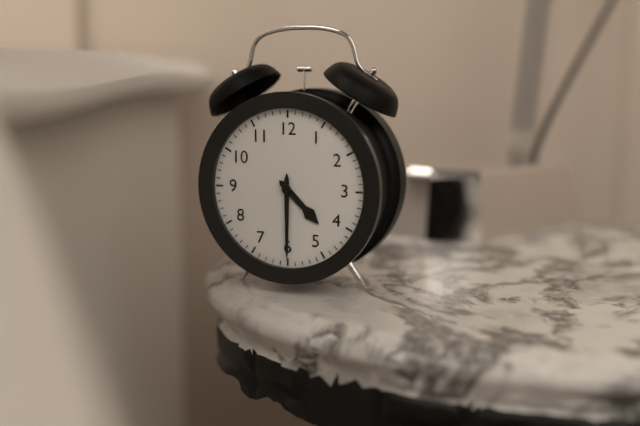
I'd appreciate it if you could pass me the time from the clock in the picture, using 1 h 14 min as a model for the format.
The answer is 4 h 30 min
